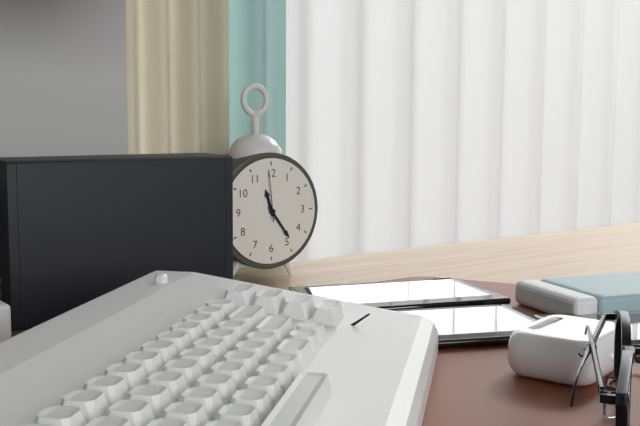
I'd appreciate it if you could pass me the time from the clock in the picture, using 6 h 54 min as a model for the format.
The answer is 11 h 24 min
